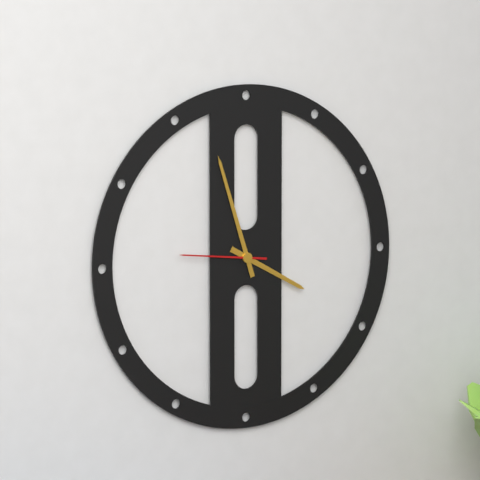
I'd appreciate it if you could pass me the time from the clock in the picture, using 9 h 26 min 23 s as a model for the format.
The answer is 3 h 57 min 46 s
